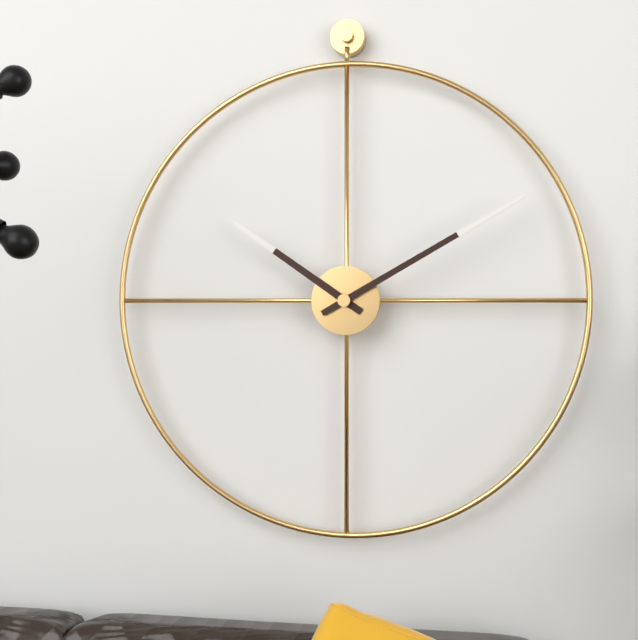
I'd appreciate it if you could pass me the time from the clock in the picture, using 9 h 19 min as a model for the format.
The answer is 10 h 10 min
